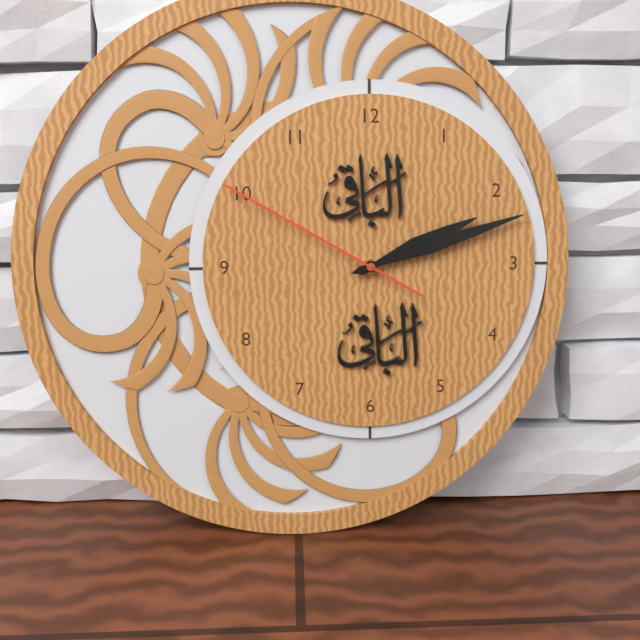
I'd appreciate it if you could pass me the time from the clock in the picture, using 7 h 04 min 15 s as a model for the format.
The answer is 2 h 12 min 50 s
